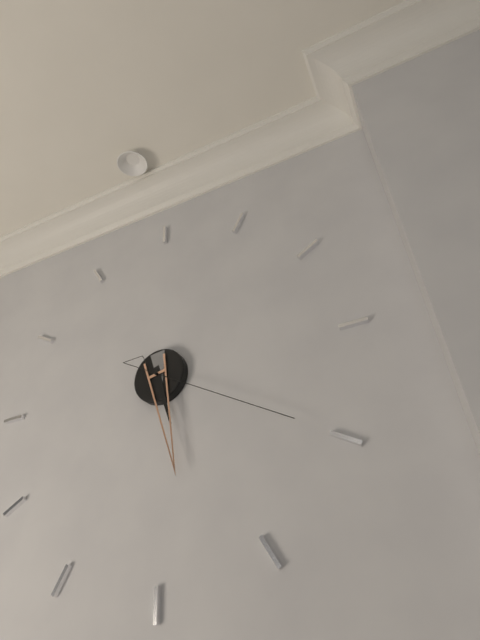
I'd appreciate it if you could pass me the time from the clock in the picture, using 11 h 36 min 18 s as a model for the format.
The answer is 5 h 28 min 20 s
